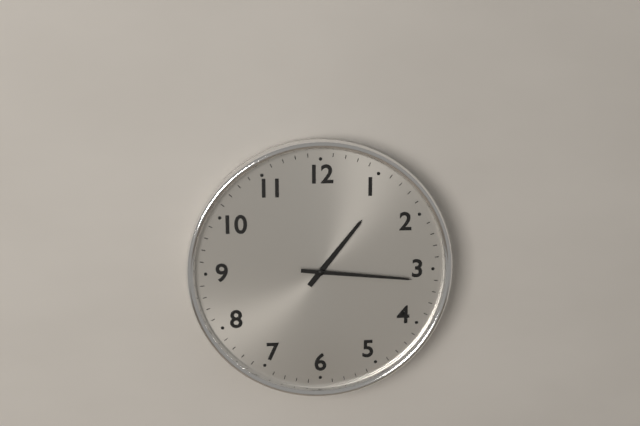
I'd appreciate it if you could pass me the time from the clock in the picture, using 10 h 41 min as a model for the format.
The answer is 1 h 16 min
